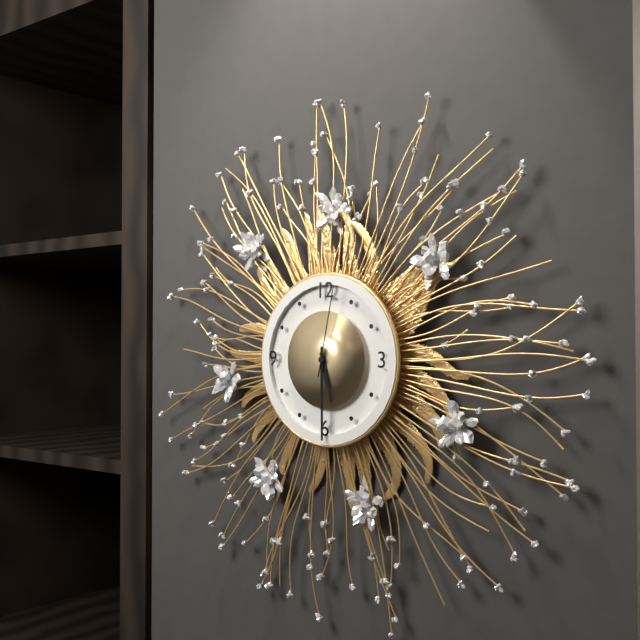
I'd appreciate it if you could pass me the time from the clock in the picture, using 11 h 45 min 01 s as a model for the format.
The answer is 5 h 30 min 02 s
